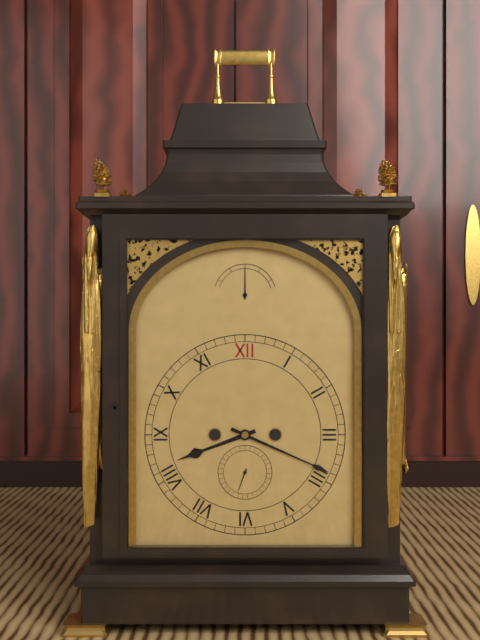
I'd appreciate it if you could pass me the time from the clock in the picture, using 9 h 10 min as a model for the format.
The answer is 8 h 19 min
